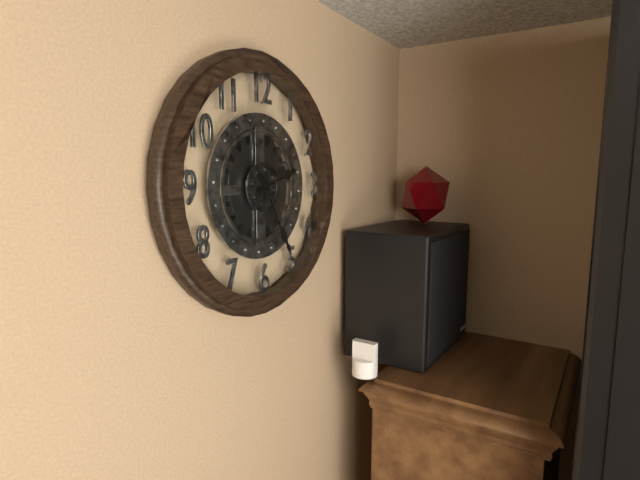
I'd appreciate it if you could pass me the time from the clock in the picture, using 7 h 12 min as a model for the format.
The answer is 2 h 25 min
